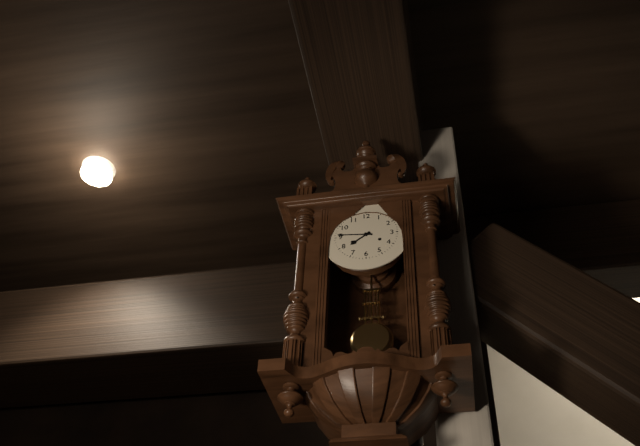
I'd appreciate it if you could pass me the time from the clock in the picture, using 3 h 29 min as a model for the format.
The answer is 7 h 46 min
